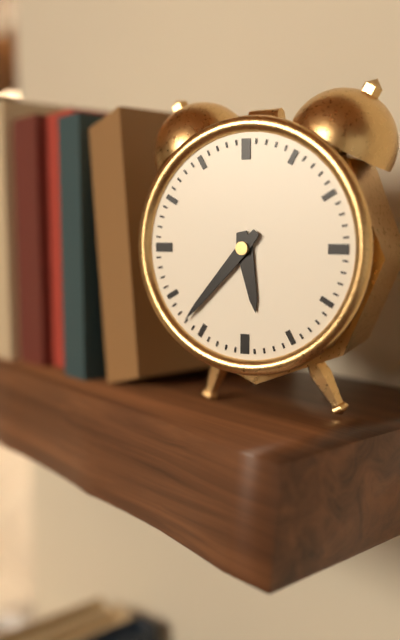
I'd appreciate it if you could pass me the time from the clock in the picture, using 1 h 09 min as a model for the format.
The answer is 5 h 37 min
